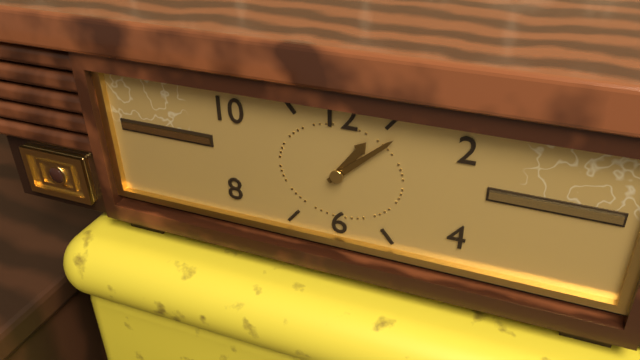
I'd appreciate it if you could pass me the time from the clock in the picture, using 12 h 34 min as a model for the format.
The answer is 1 h 08 min
